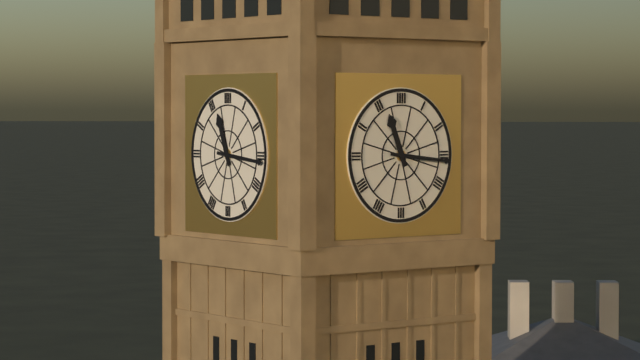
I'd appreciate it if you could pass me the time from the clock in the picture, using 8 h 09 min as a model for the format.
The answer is 11 h 16 min
